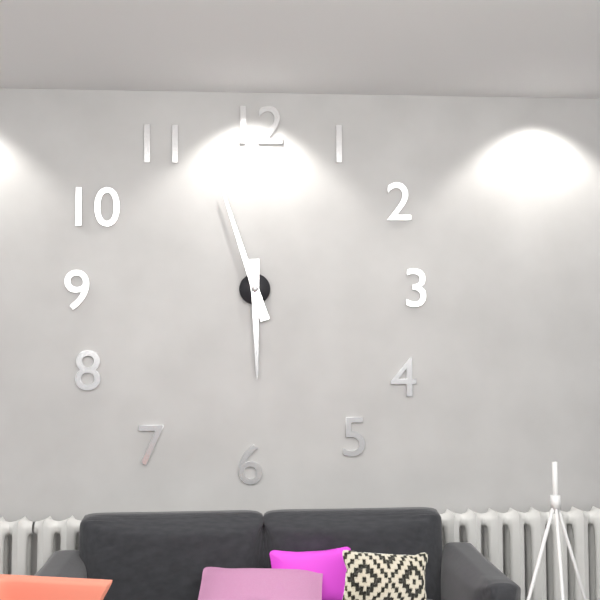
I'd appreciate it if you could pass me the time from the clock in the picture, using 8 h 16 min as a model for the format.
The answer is 5 h 57 min
